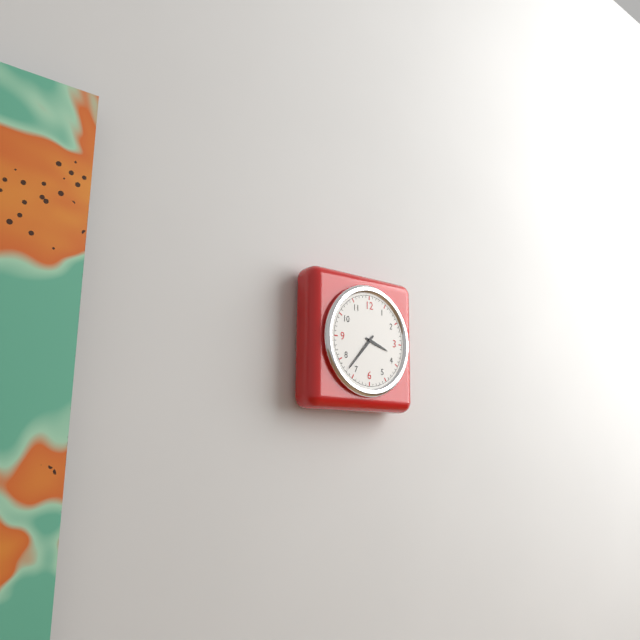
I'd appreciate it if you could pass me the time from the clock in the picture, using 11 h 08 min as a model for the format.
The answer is 3 h 37 min
